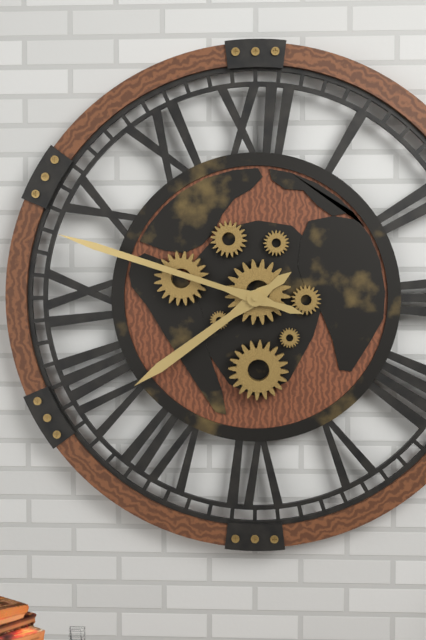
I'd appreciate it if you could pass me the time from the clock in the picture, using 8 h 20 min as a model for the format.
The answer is 7 h 48 min
